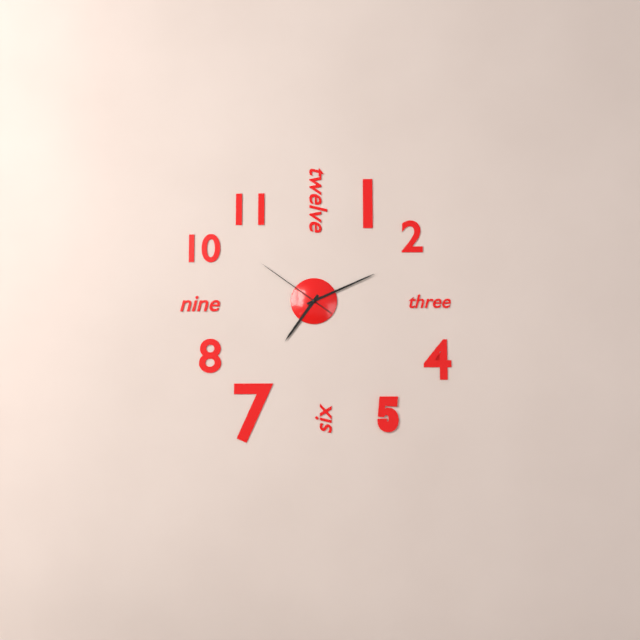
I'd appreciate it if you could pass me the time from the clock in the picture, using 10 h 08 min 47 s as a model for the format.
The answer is 7 h 11 min 51 s
